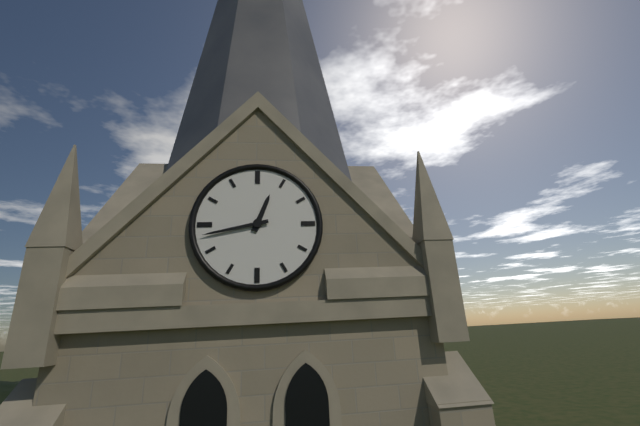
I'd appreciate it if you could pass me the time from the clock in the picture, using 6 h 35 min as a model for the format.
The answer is 12 h 43 min
